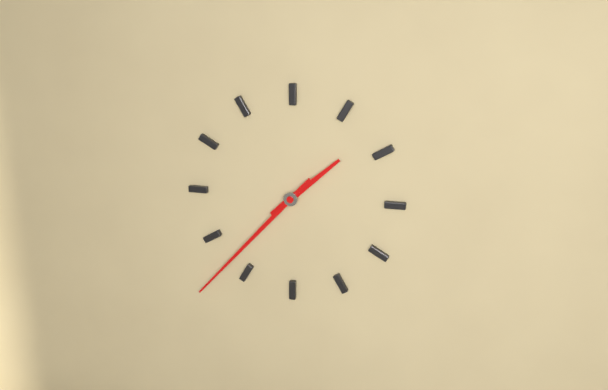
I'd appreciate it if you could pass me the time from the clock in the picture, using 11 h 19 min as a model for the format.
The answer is 1 h 37 min
